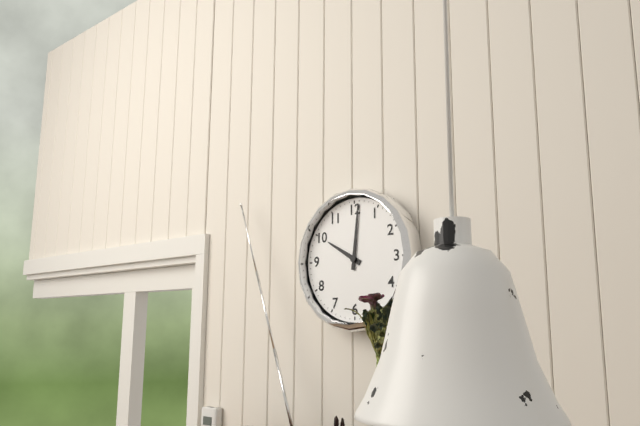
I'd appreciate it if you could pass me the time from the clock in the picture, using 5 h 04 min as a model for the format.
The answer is 10 h 01 min
